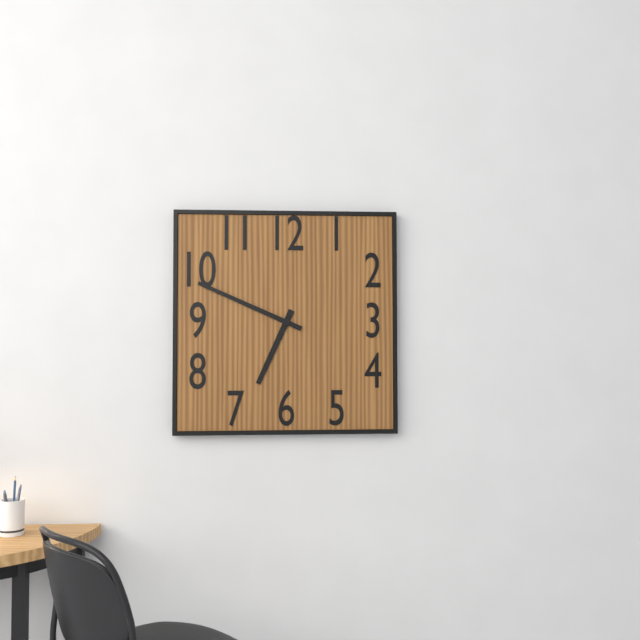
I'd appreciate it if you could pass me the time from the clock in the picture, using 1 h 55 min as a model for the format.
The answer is 6 h 49 min
